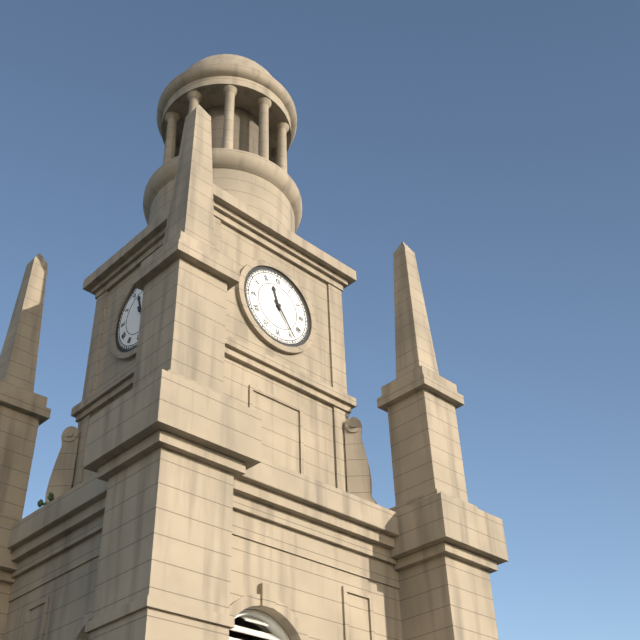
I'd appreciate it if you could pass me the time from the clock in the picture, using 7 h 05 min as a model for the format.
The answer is 11 h 24 min
